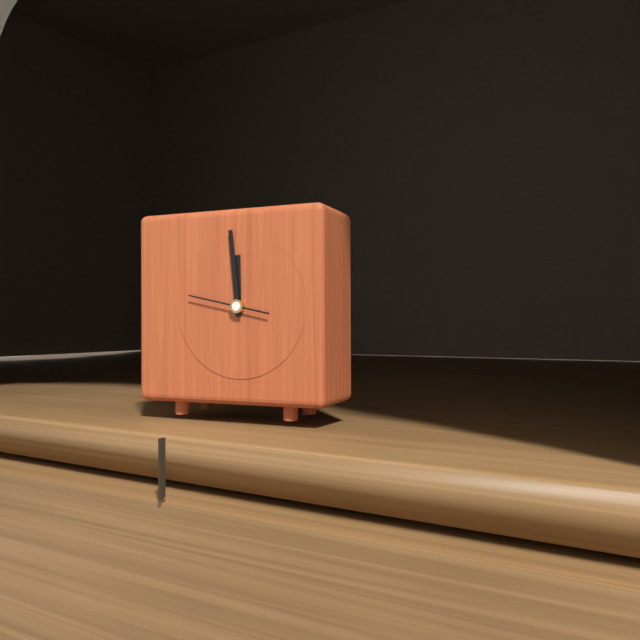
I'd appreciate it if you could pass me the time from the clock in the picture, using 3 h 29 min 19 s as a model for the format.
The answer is 11 h 59 min 47 s
